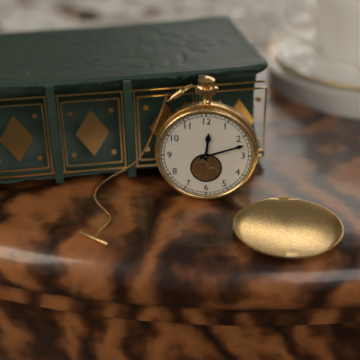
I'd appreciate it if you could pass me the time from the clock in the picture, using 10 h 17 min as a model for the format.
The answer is 12 h 12 min
